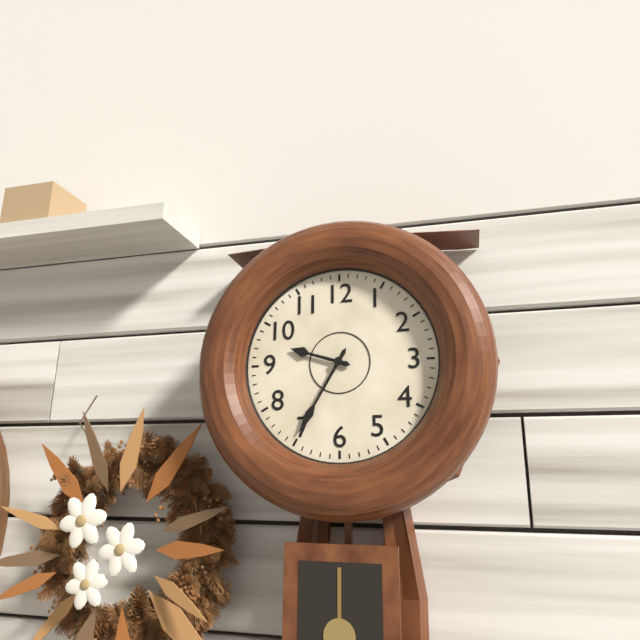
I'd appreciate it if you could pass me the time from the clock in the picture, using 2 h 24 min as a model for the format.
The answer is 9 h 35 min
